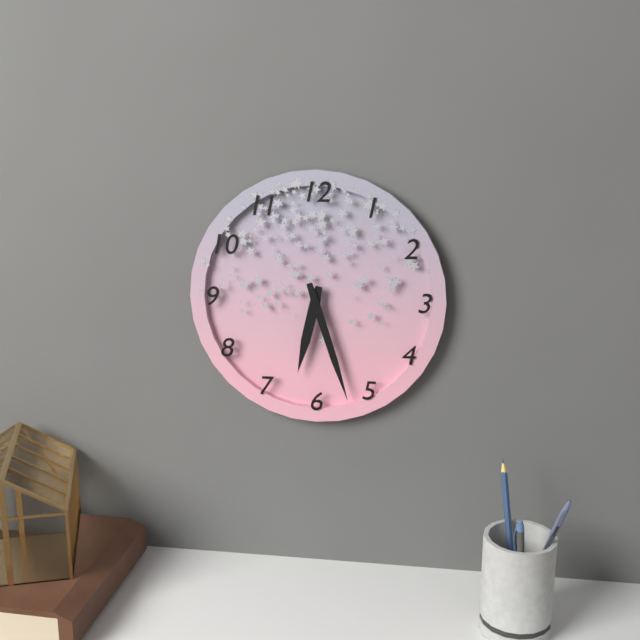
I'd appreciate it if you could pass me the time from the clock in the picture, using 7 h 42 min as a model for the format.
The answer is 6 h 27 min
